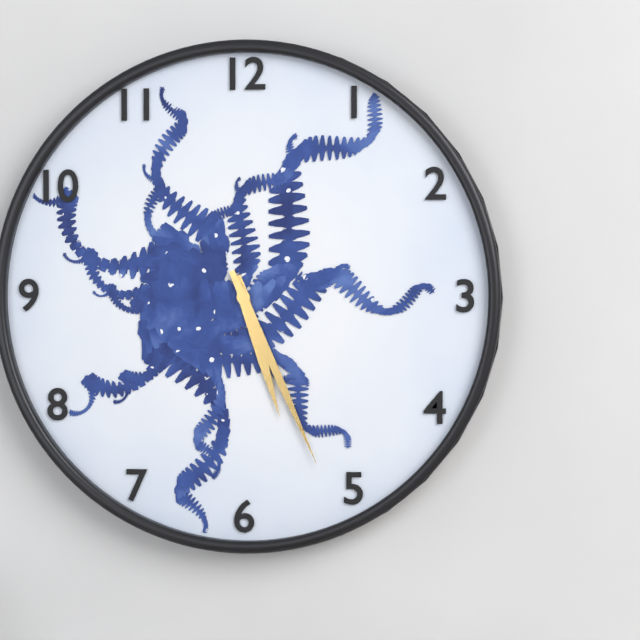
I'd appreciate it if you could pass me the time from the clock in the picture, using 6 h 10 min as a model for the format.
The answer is 5 h 26 min
